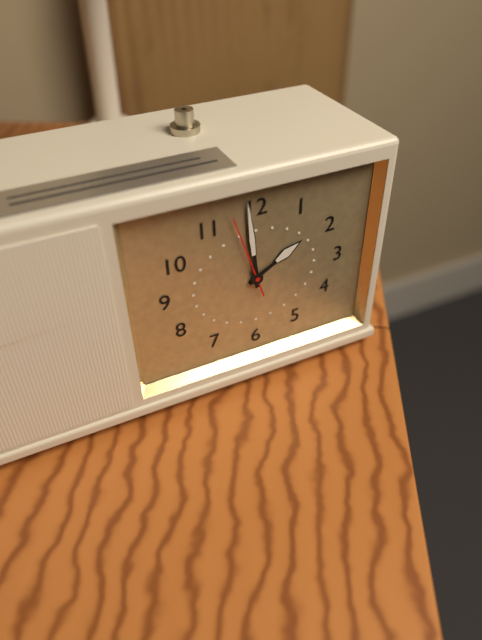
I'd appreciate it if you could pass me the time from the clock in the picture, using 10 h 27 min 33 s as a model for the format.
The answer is 1 h 59 min 57 s
